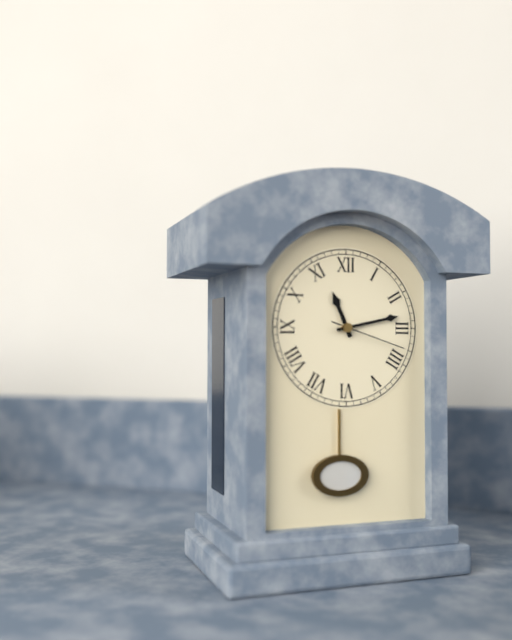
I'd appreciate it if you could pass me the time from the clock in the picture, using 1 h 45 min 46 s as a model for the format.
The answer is 11 h 13 min 18 s
